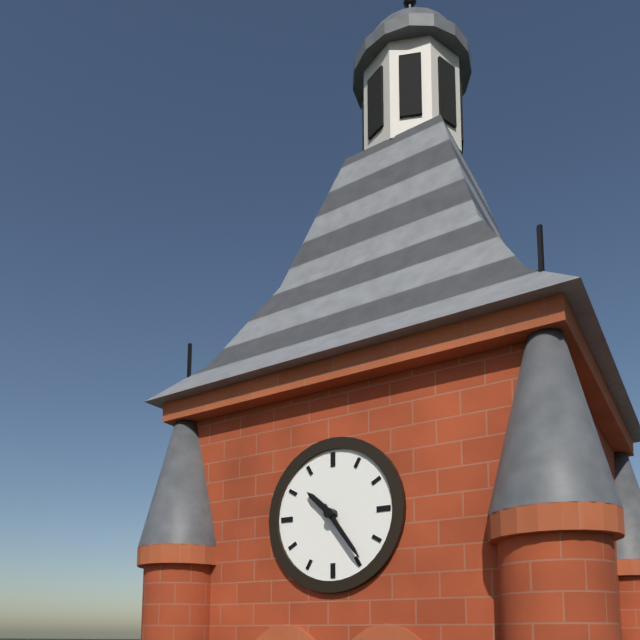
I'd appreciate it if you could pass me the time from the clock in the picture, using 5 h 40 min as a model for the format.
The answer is 10 h 24 min
